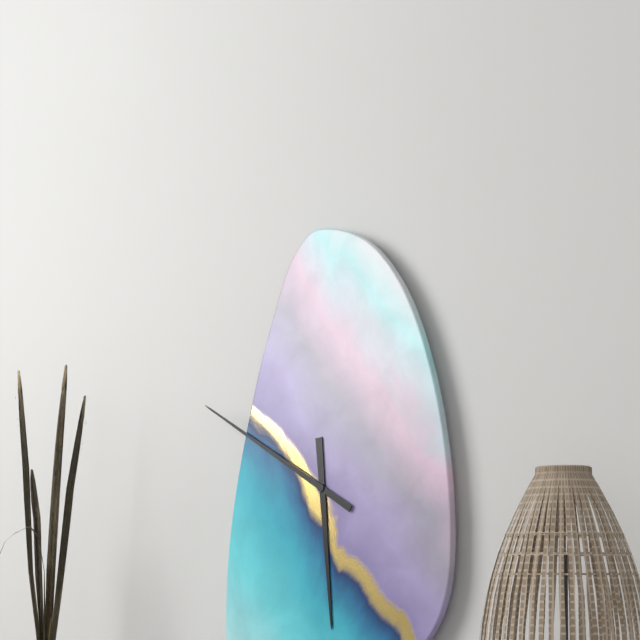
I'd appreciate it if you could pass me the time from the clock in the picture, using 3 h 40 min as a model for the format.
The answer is 5 h 50 min
